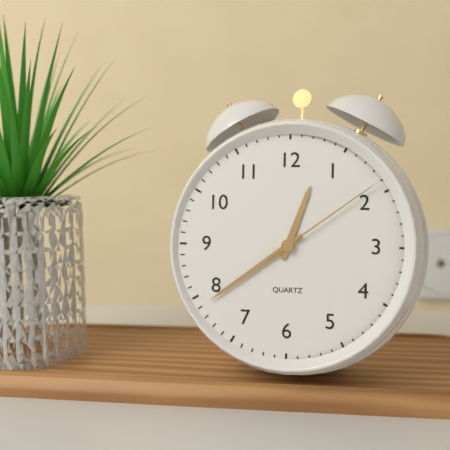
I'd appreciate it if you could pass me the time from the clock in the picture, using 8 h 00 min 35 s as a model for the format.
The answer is 12 h 39 min 09 s
